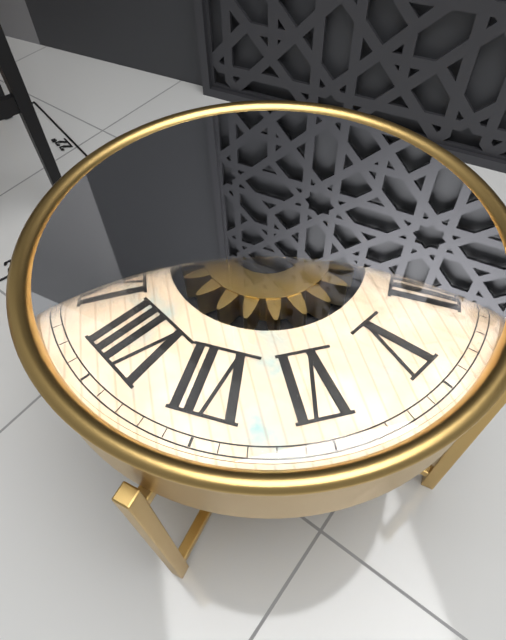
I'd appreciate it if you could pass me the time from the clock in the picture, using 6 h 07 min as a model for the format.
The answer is 10 h 12 min
